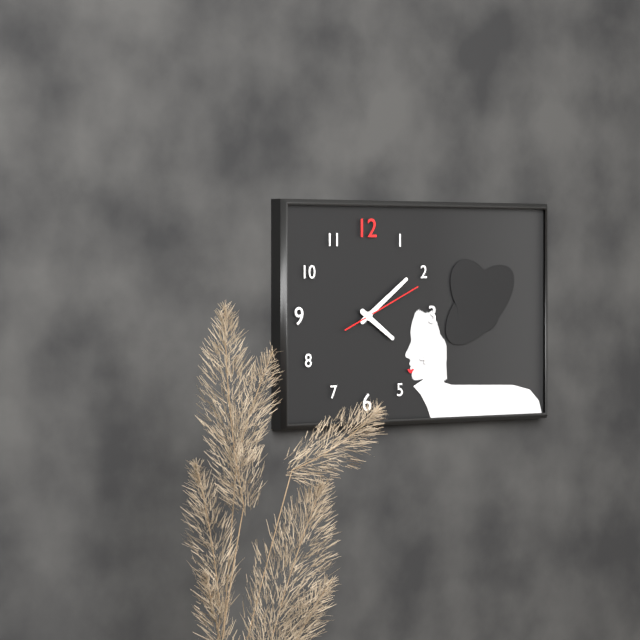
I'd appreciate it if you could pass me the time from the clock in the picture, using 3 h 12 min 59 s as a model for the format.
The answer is 4 h 09 min 11 s
